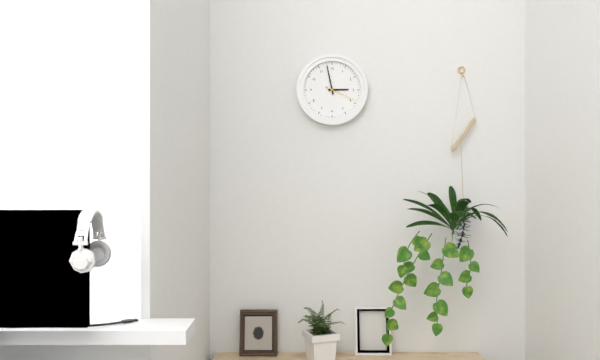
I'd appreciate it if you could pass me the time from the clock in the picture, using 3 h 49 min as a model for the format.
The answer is 2 h 58 min
